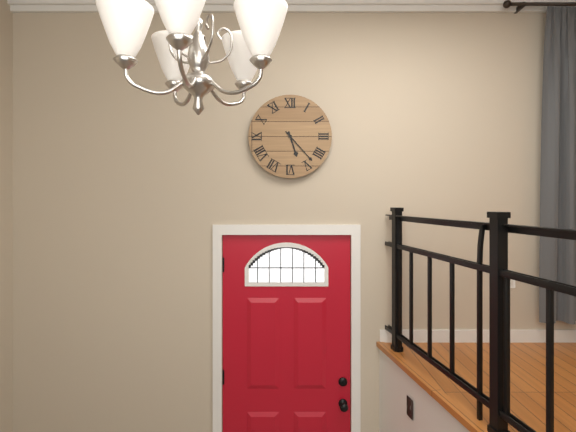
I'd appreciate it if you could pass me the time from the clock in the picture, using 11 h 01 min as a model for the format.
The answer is 5 h 23 min
